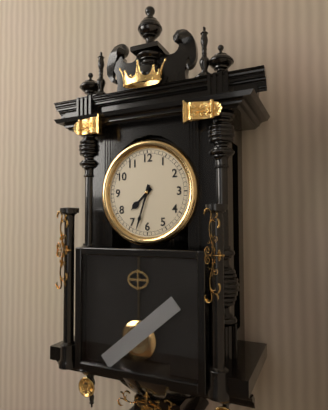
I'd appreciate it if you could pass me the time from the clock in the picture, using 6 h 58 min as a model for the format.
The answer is 7 h 33 min
